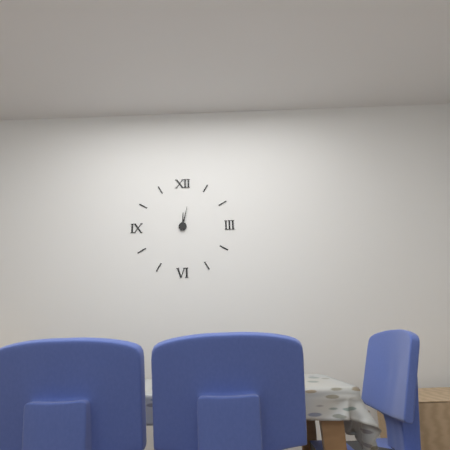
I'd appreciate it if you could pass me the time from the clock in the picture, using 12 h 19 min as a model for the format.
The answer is 12 h 02 min
